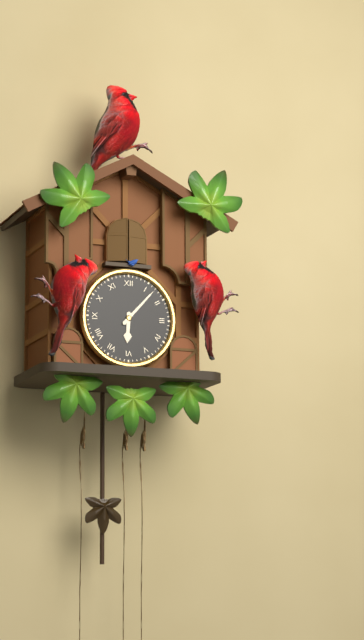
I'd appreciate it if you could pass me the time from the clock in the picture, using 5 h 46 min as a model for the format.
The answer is 6 h 07 min
